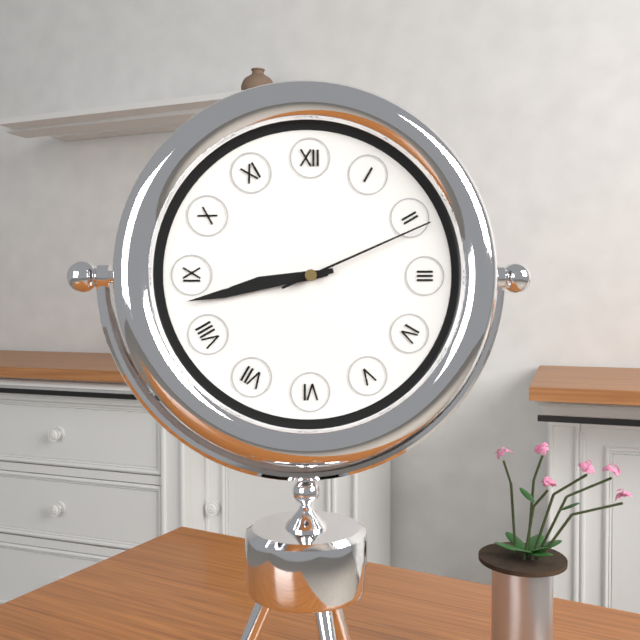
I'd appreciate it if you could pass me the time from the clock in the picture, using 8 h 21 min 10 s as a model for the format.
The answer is 8 h 43 min 11 s
